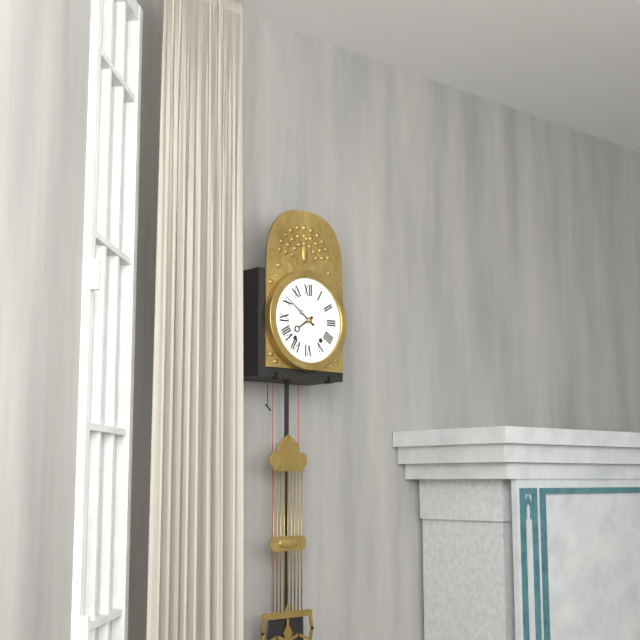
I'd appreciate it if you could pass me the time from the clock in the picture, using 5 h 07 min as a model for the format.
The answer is 7 h 51 min
